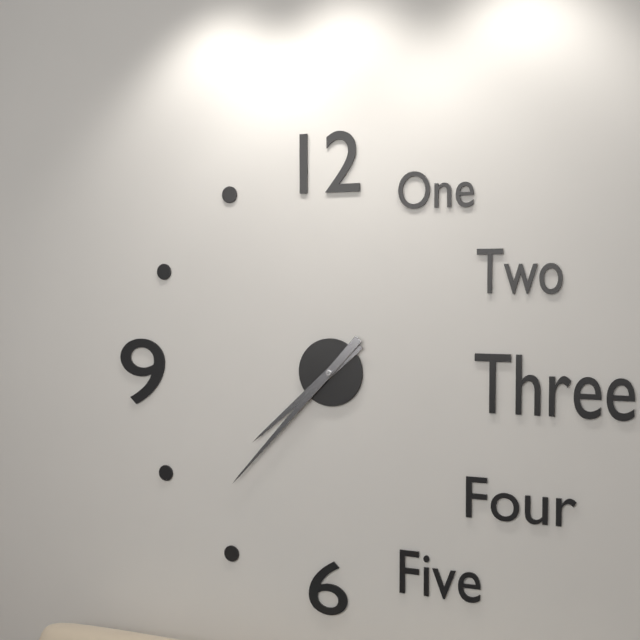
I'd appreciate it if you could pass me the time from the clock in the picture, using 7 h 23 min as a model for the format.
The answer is 7 h 37 min
